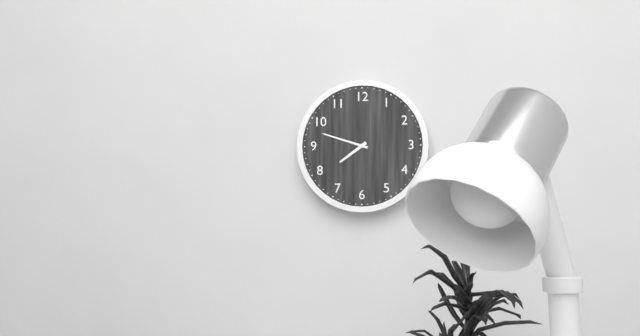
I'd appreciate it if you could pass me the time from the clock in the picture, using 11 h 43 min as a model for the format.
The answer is 7 h 48 min
